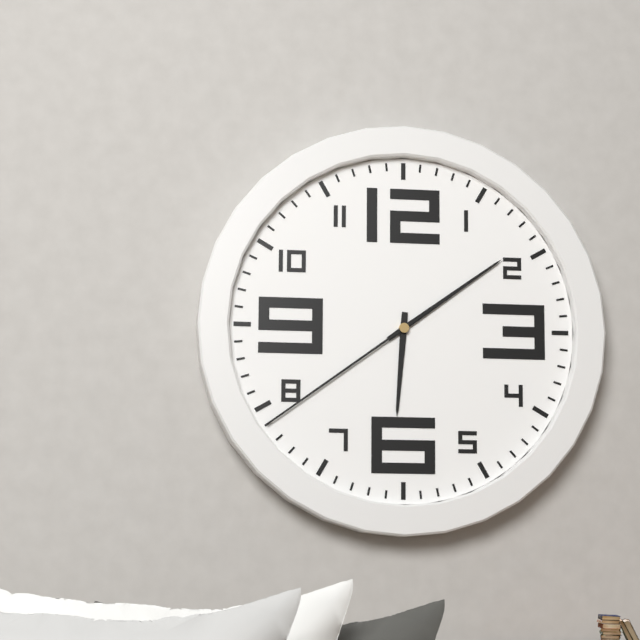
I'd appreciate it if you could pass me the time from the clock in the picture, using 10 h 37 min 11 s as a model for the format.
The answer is 6 h 09 min 39 s
